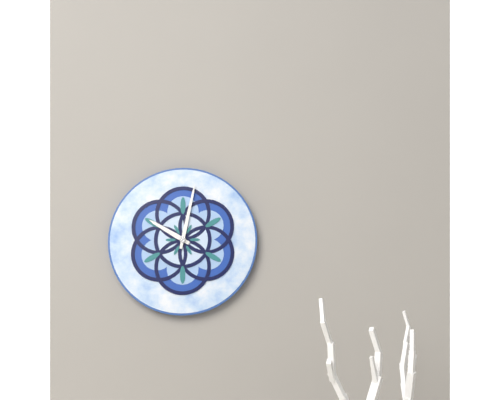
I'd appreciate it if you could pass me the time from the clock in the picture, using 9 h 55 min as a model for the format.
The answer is 10 h 02 min
